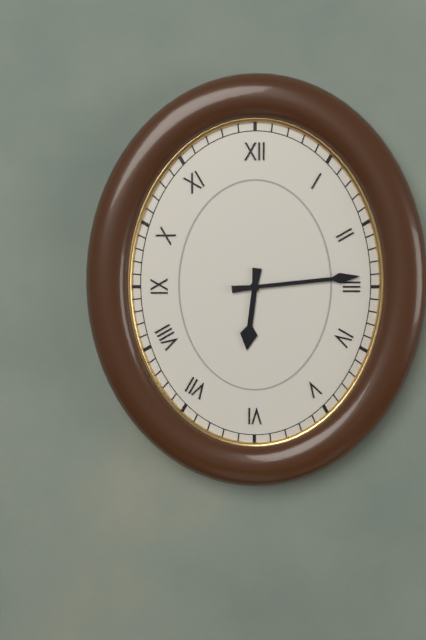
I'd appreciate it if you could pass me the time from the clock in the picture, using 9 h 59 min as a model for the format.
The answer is 6 h 14 min
